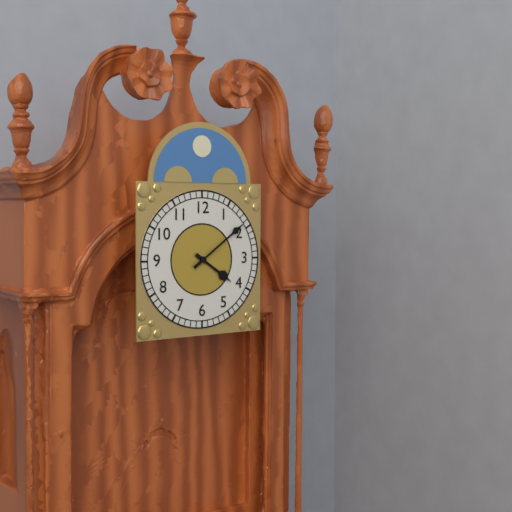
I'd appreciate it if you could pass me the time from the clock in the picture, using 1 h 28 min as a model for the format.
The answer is 4 h 09 min
